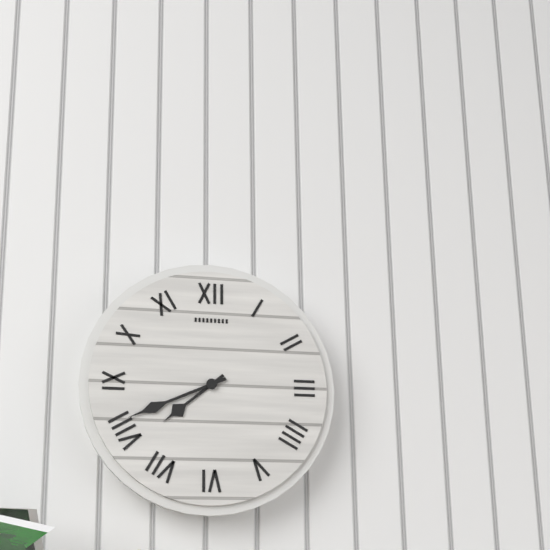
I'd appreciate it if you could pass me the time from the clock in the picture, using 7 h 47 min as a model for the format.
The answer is 7 h 41 min
